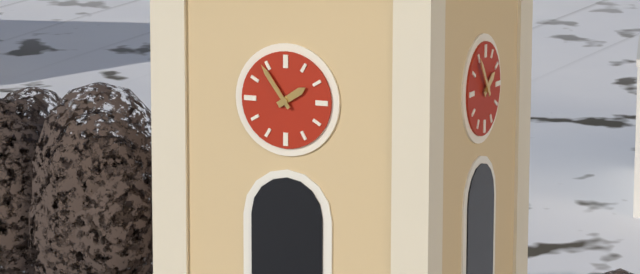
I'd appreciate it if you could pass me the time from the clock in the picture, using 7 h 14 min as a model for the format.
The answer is 1 h 54 min
